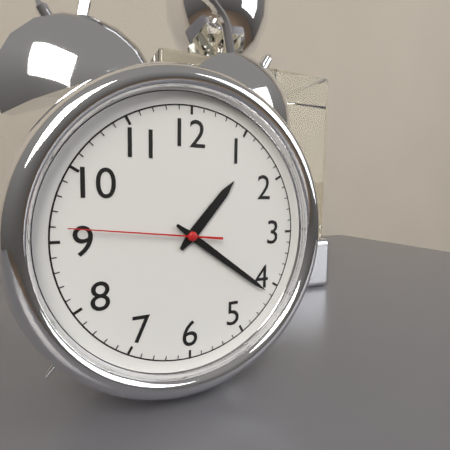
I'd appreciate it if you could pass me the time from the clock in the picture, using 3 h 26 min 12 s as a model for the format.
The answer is 1 h 21 min 46 s
